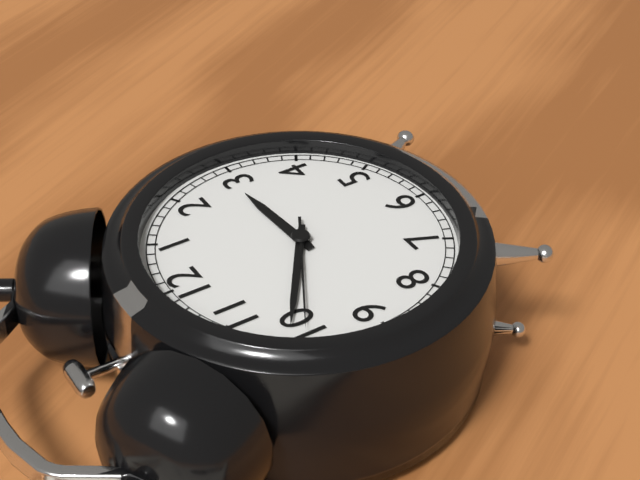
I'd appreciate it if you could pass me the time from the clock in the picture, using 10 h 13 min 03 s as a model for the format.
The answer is 2 h 51 min 50 s
